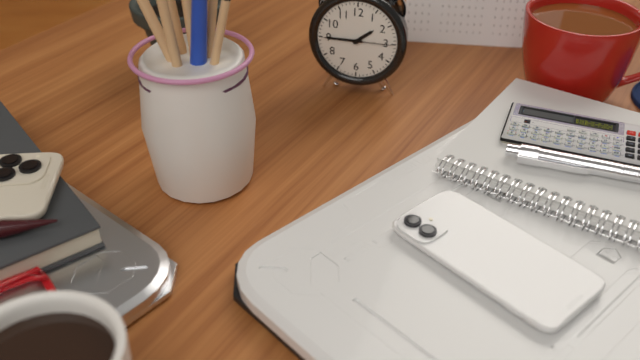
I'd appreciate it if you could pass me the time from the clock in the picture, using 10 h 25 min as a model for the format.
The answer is 1 h 45 min
